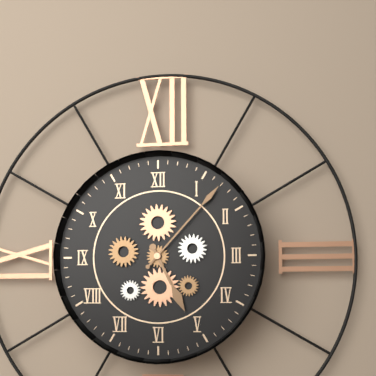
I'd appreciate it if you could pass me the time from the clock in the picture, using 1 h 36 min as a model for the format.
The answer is 5 h 07 min
